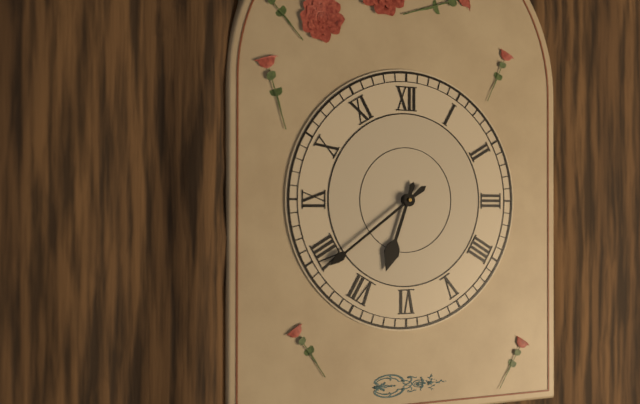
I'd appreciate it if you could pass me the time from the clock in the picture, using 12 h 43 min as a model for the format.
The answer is 6 h 39 min
